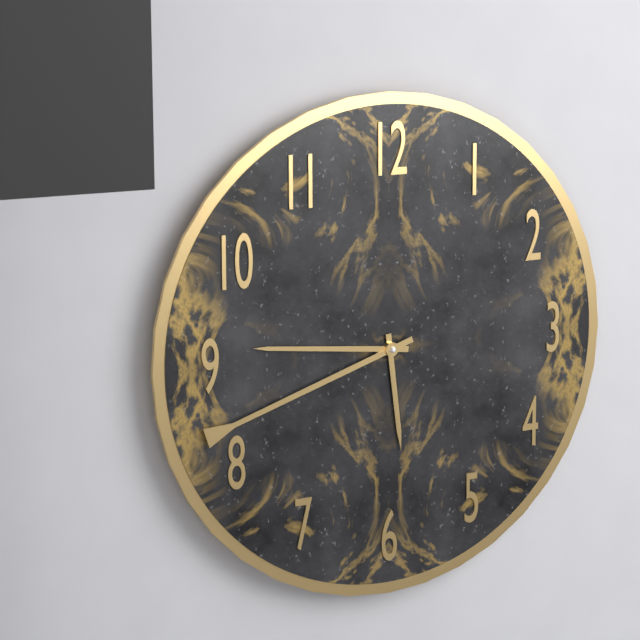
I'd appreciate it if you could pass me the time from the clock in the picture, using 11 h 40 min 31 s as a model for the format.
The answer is 5 h 46 min 42 s
